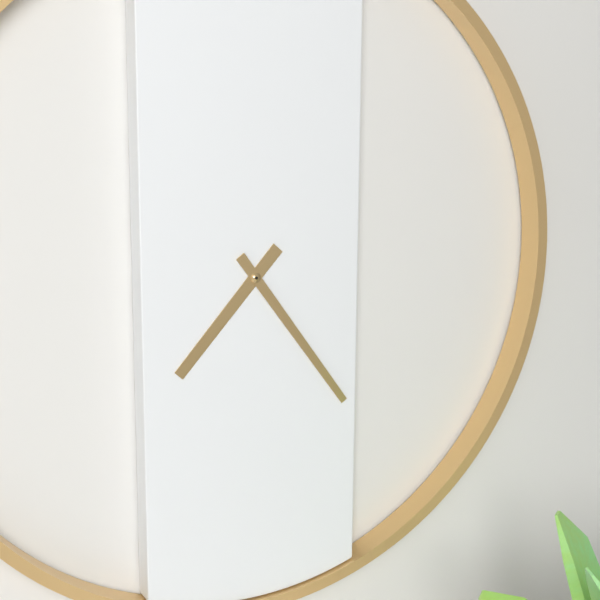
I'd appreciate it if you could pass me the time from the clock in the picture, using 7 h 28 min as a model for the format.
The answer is 7 h 24 min
